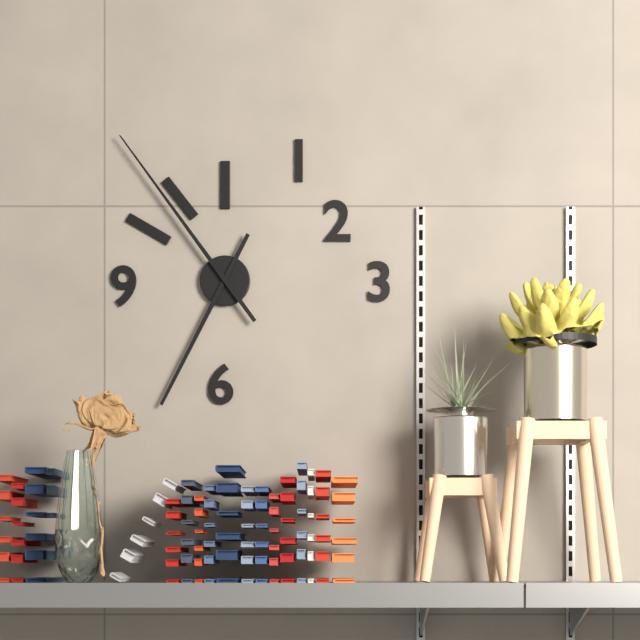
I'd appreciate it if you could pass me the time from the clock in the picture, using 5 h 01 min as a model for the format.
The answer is 6 h 54 min
